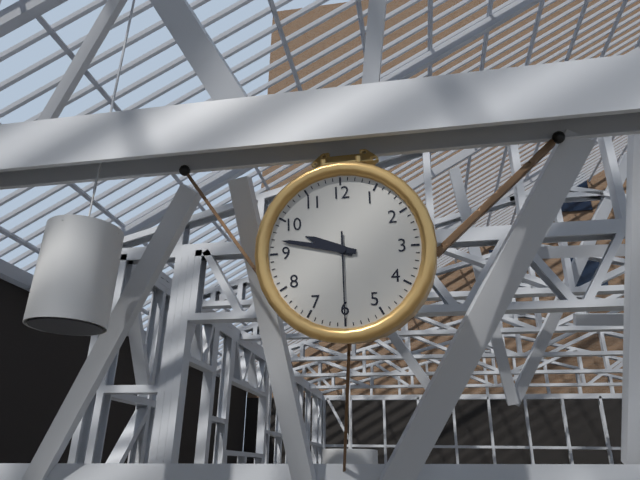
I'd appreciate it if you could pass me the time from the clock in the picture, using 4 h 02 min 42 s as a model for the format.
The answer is 9 h 47 min 30 s
